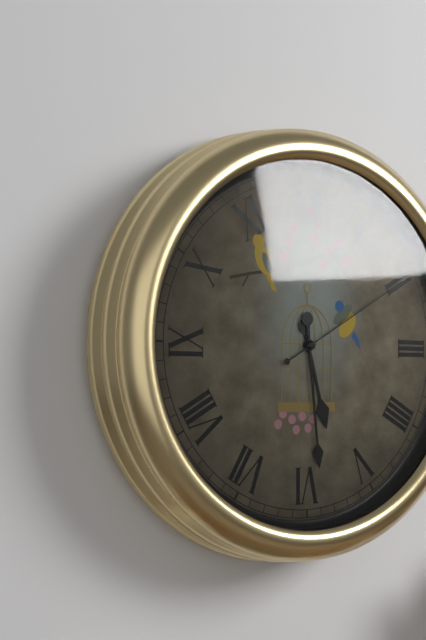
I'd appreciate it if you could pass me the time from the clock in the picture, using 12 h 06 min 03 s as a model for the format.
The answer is 5 h 29 min 10 s
